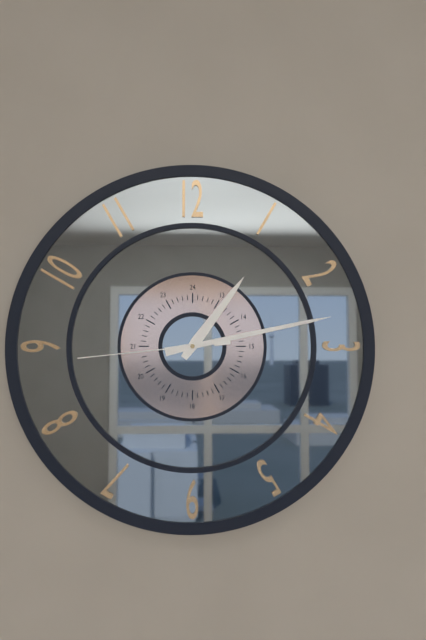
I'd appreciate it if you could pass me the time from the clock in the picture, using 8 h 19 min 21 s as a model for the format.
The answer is 1 h 13 min 44 s
